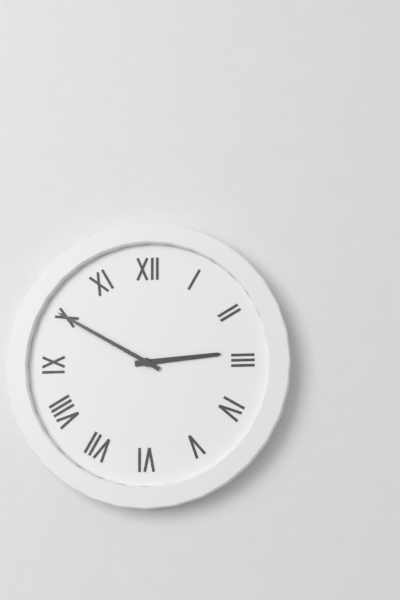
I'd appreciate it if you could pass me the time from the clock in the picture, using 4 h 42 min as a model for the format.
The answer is 2 h 50 min
